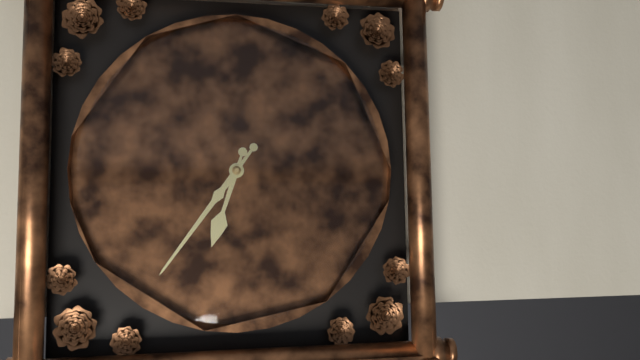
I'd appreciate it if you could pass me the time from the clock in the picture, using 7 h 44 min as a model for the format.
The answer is 6 h 36 min
